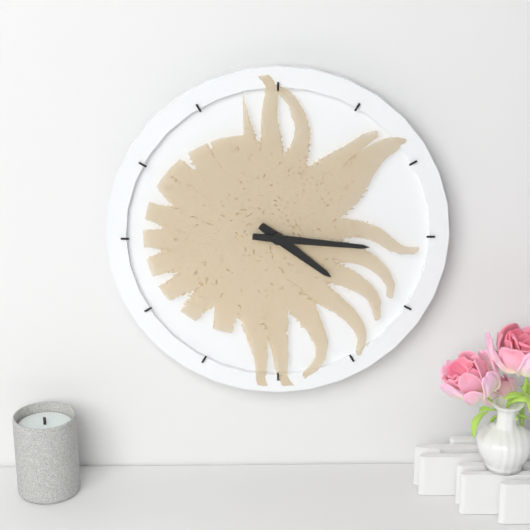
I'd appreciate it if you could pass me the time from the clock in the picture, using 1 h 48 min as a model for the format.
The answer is 4 h 16 min
